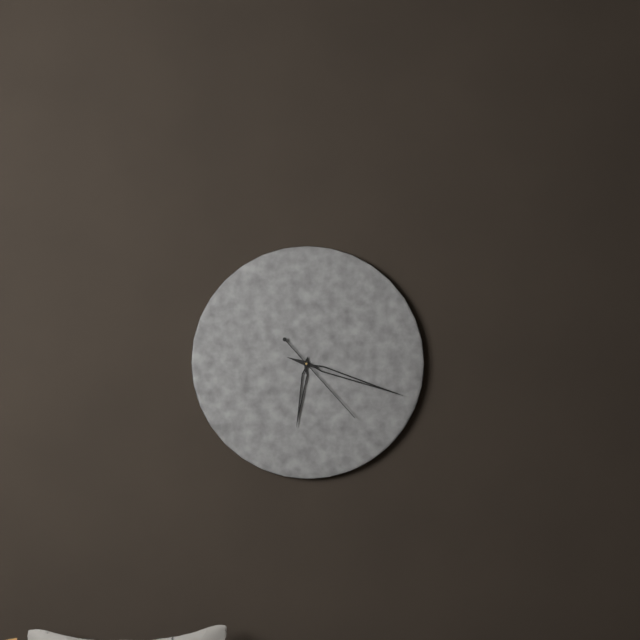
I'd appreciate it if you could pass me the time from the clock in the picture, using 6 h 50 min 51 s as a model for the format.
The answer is 6 h 18 min 23 s
